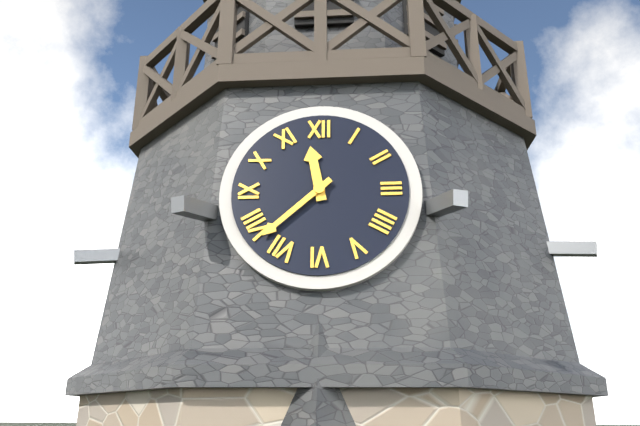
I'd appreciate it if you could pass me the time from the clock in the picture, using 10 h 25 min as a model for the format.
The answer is 11 h 38 min
